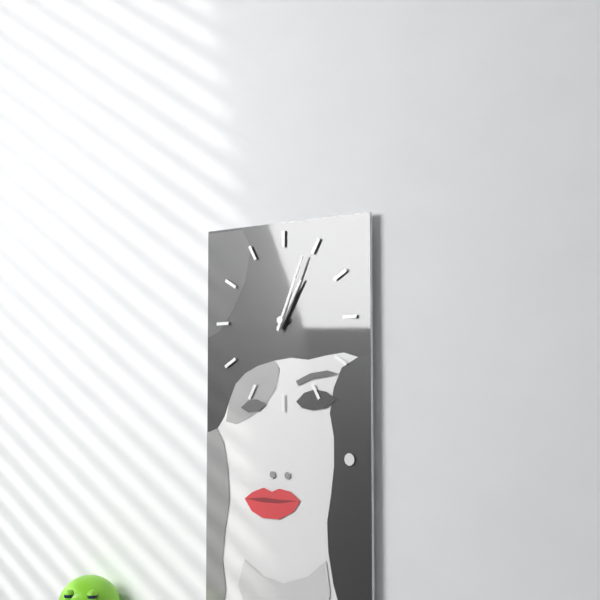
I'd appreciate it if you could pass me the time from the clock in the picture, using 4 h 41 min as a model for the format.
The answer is 1 h 04 min
